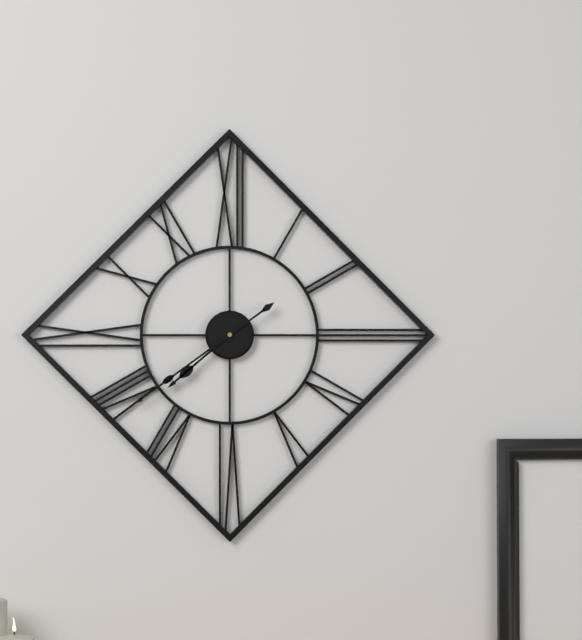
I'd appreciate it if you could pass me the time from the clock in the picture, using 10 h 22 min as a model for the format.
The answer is 7 h 39 min
